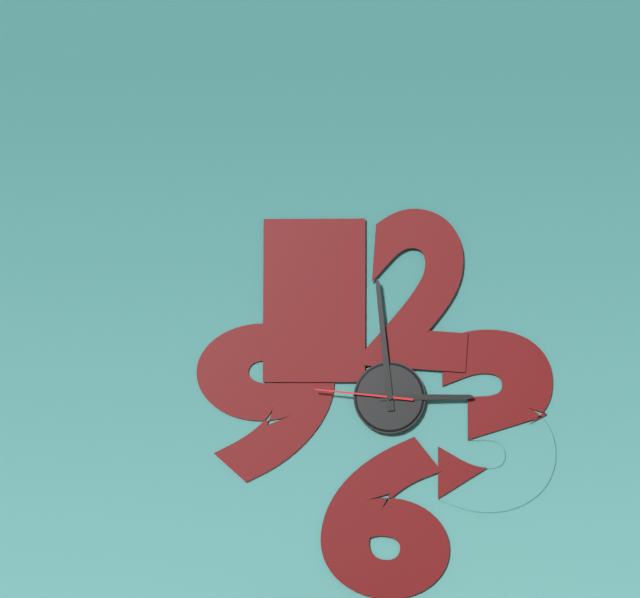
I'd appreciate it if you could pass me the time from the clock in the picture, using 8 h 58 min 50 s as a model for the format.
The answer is 2 h 59 min 46 s
